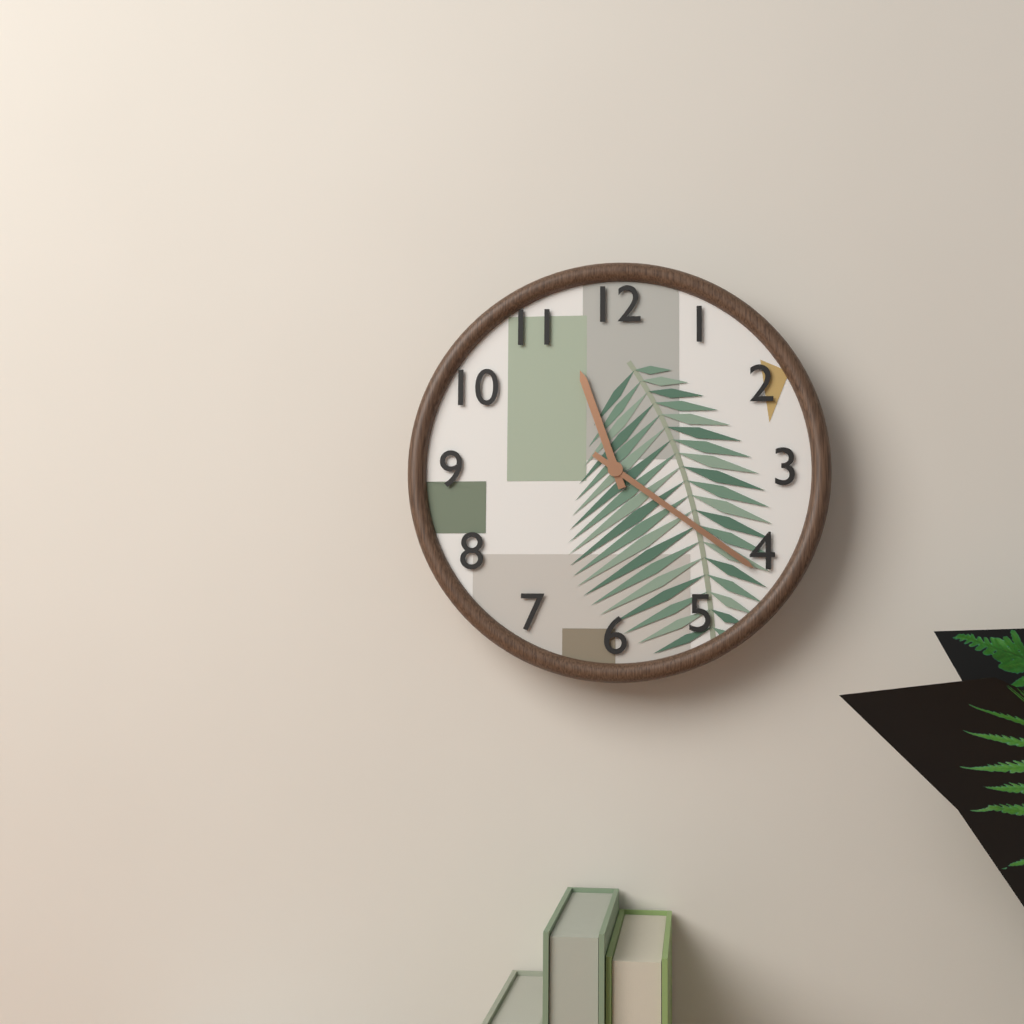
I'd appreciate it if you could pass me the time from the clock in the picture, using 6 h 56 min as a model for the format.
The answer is 11 h 21 min
